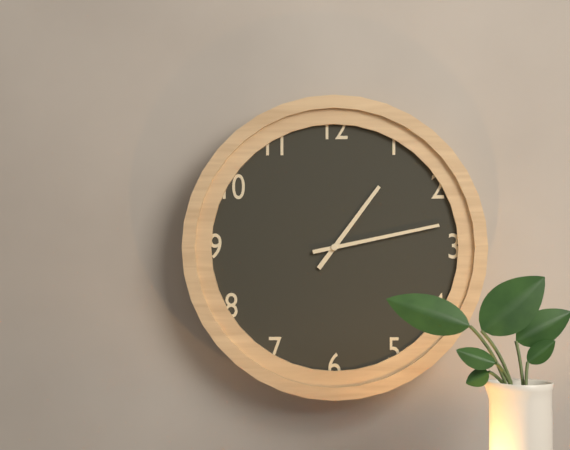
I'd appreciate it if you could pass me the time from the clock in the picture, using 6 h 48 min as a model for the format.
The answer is 1 h 13 min
